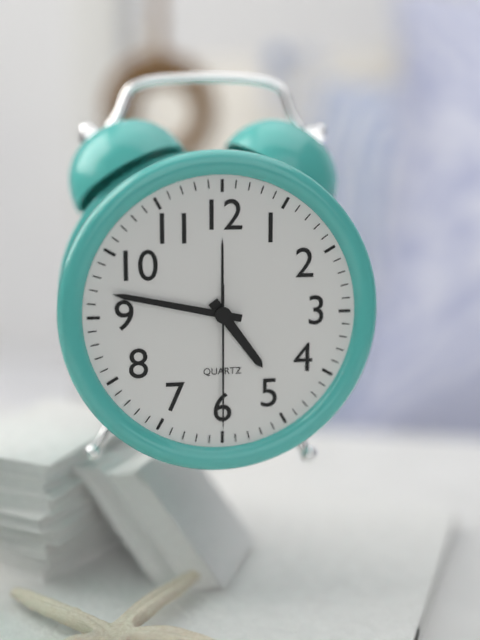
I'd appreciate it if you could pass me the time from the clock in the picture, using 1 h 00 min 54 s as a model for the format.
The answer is 4 h 47 min 30 s
